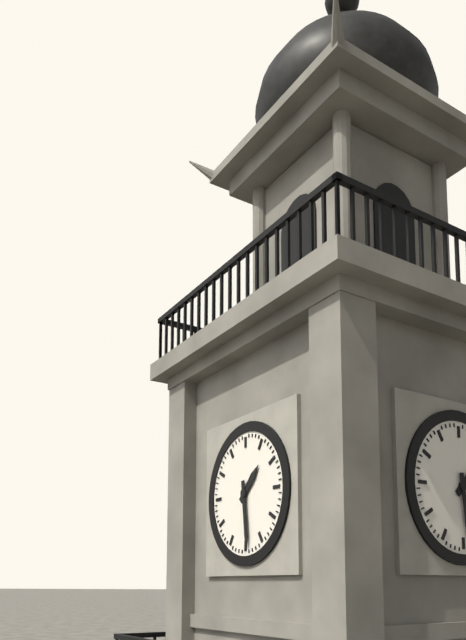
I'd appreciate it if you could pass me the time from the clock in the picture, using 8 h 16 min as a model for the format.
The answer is 1 h 29 min
